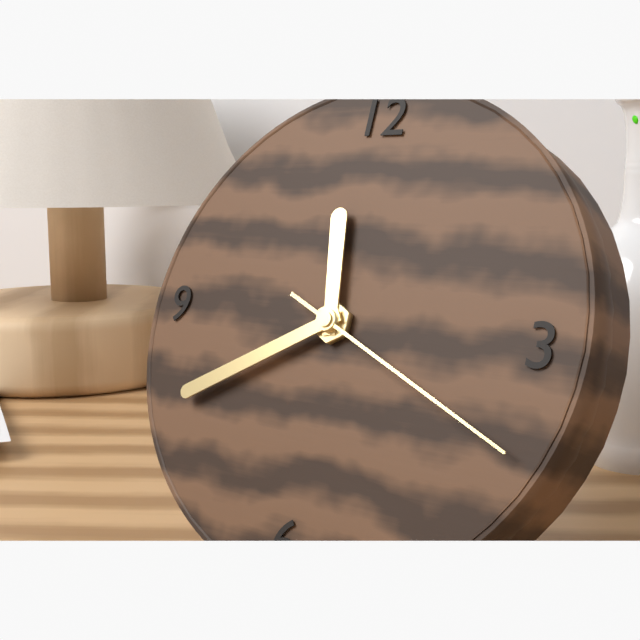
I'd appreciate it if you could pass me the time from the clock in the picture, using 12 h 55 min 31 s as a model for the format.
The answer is 11 h 40 min 19 s
